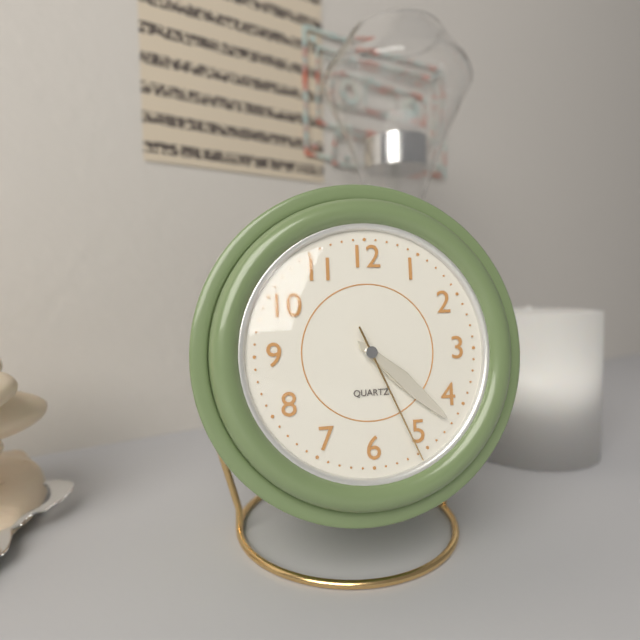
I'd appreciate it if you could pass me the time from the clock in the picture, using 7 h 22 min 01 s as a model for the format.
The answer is 4 h 22 min 26 s
